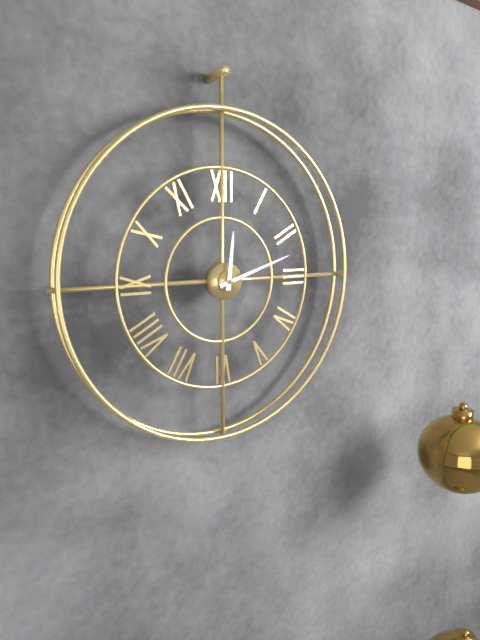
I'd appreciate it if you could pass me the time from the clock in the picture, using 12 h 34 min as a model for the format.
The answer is 12 h 12 min
